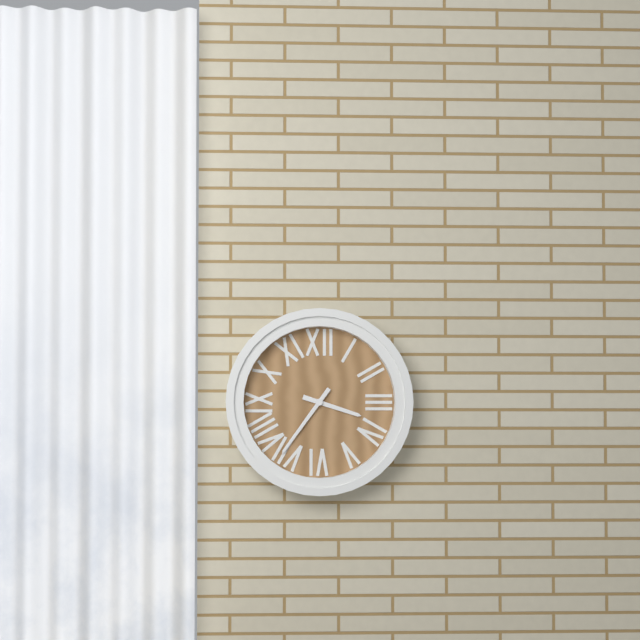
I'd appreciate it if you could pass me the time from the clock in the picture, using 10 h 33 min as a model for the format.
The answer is 3 h 36 min
